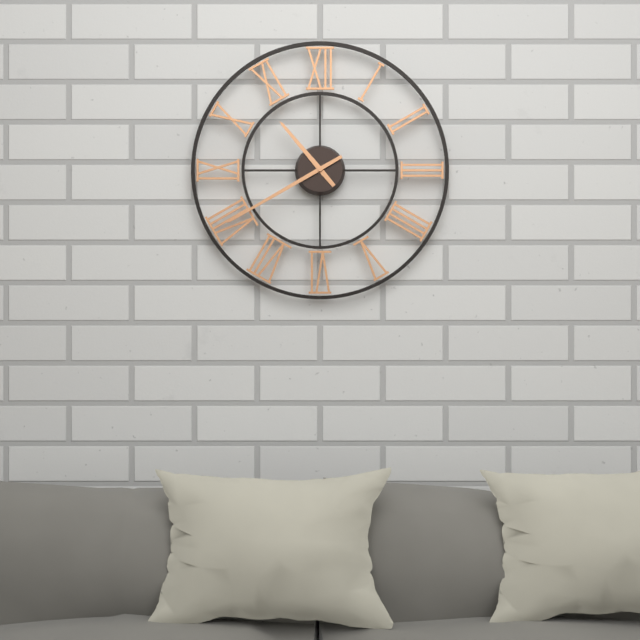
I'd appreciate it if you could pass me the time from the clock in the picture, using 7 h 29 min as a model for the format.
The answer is 10 h 40 min
